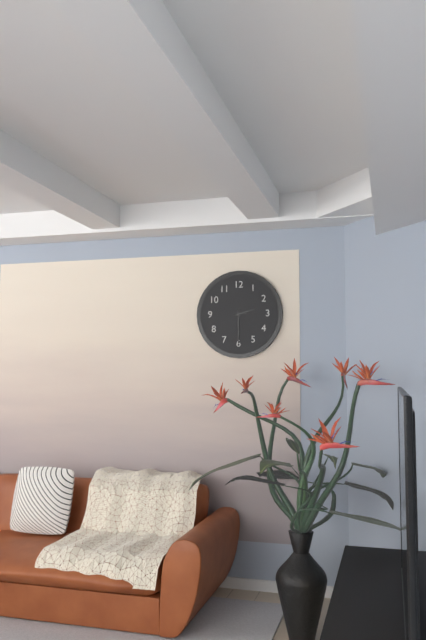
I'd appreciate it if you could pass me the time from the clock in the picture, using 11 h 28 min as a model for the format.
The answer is 2 h 30 min
